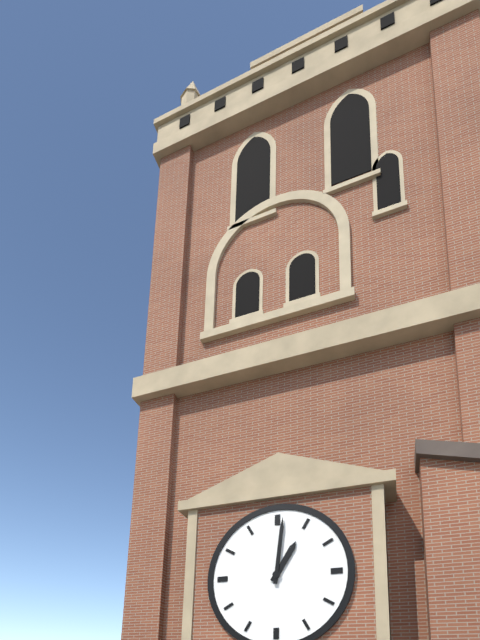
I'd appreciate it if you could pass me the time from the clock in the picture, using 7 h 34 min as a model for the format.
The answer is 1 h 01 min
